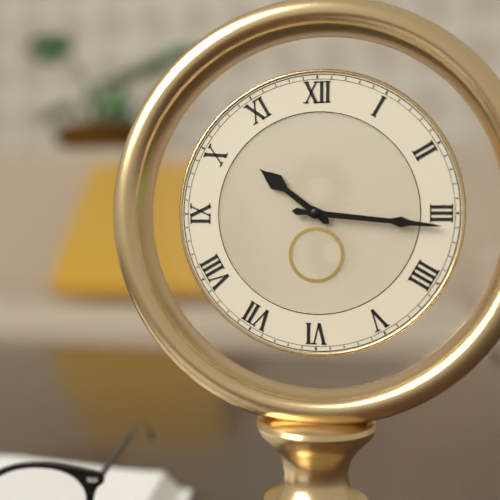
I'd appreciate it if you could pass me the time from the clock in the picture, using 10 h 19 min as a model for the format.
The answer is 10 h 16 min
